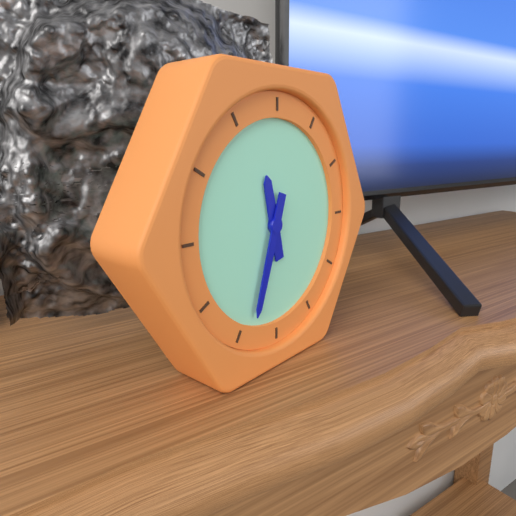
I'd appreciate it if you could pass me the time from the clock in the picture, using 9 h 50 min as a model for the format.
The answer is 11 h 33 min
